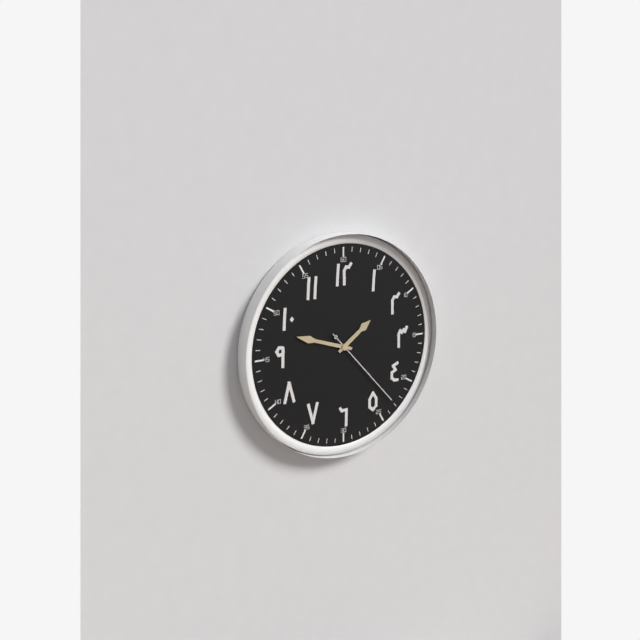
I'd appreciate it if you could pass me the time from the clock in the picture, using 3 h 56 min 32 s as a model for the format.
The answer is 1 h 48 min 23 s
